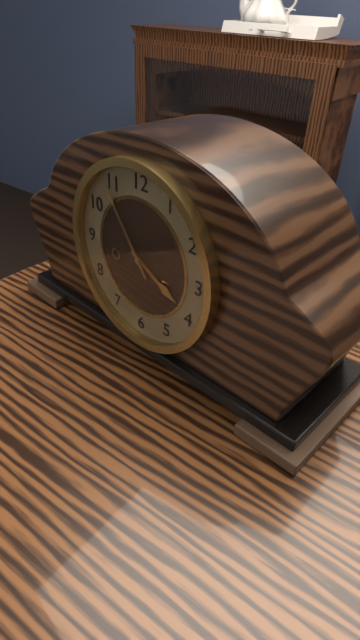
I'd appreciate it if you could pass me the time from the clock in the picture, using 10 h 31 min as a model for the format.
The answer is 3 h 54 min
